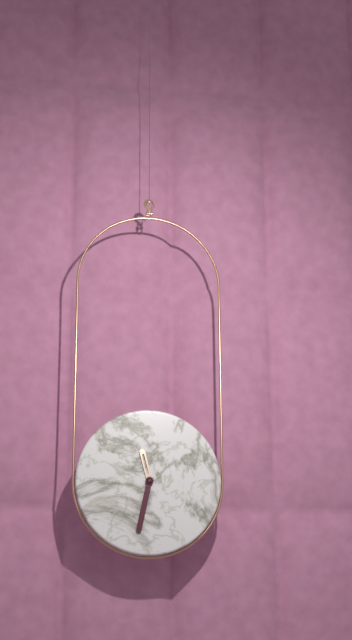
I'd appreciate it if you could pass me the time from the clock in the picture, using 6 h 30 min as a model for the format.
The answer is 11 h 32 min
